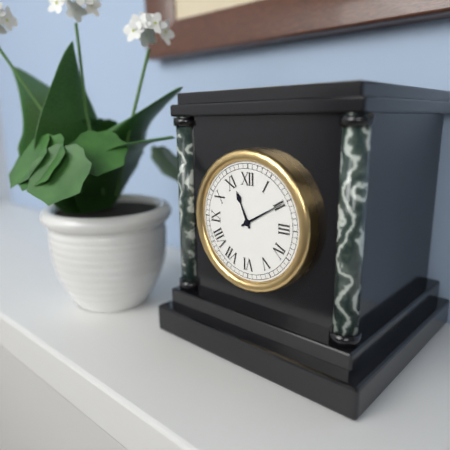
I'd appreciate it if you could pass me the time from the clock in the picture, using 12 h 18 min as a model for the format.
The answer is 11 h 10 min
